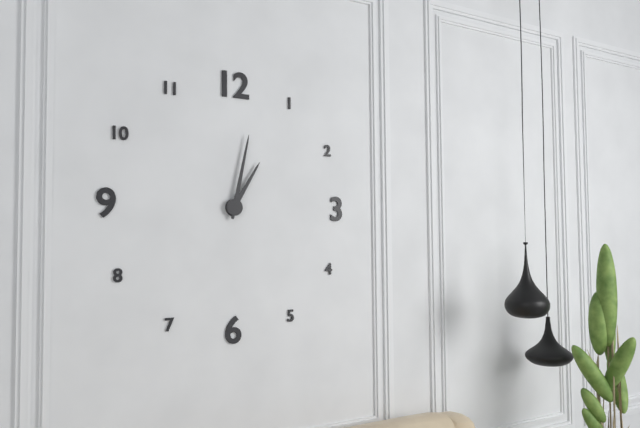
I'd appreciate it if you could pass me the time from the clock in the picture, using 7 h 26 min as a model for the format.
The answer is 1 h 02 min
